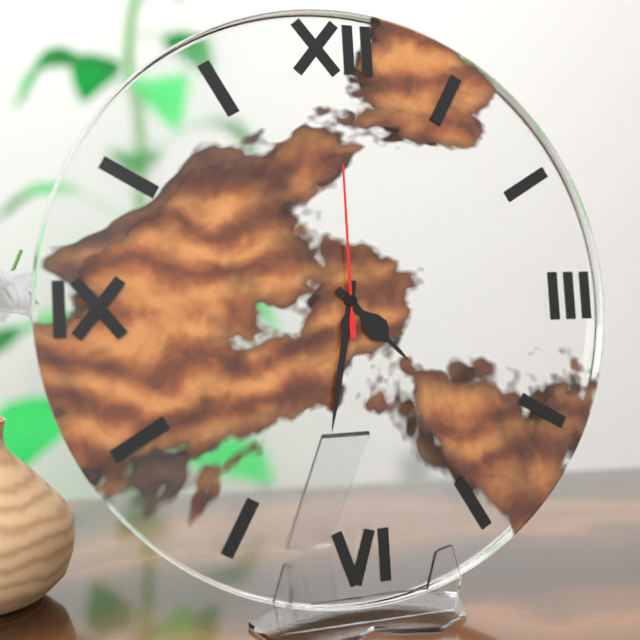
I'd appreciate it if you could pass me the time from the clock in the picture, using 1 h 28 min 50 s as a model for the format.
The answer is 4 h 32 min 00 s
